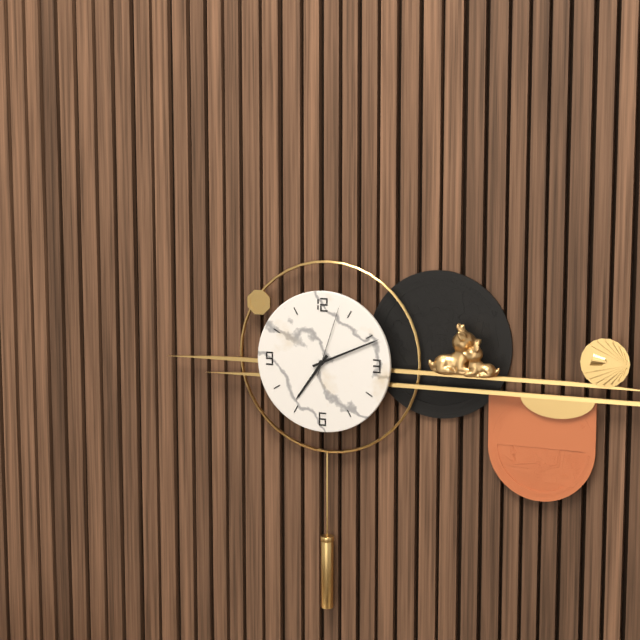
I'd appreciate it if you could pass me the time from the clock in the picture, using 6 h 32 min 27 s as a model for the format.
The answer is 7 h 11 min 03 s
